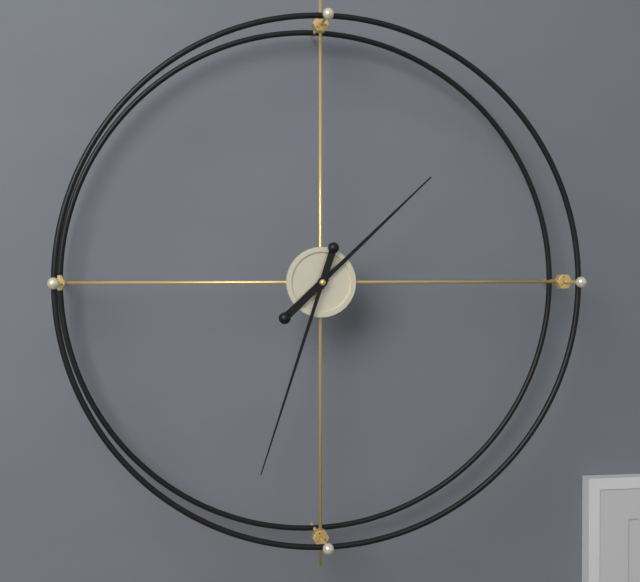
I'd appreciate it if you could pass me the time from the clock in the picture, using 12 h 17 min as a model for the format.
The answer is 1 h 33 min
